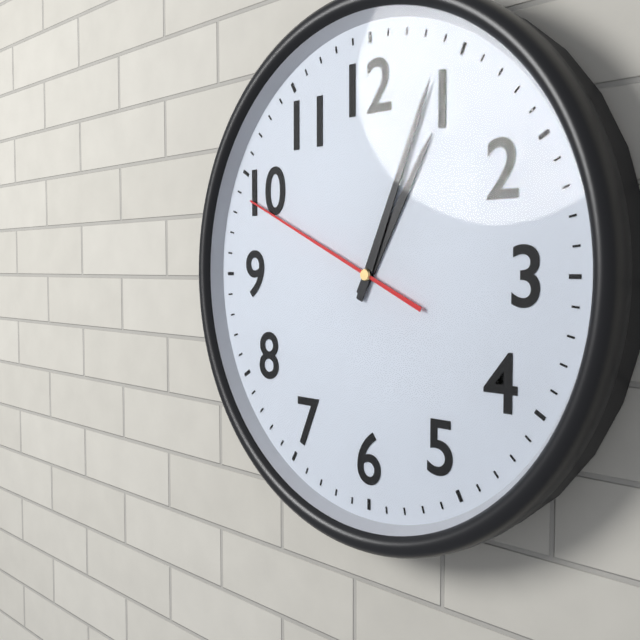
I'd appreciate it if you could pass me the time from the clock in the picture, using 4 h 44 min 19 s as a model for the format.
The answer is 1 h 04 min 49 s
